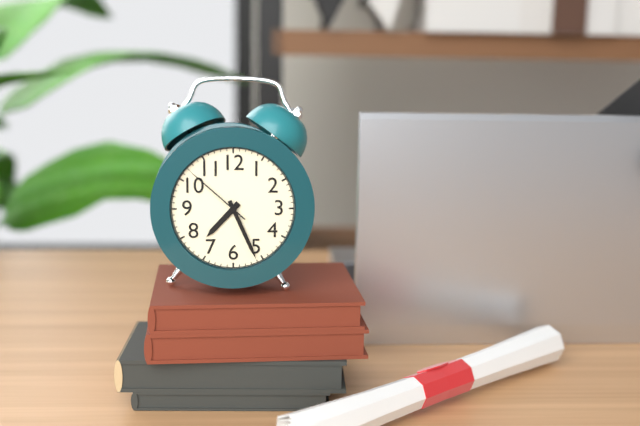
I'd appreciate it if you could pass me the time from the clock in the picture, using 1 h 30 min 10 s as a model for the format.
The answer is 7 h 26 min 52 s
